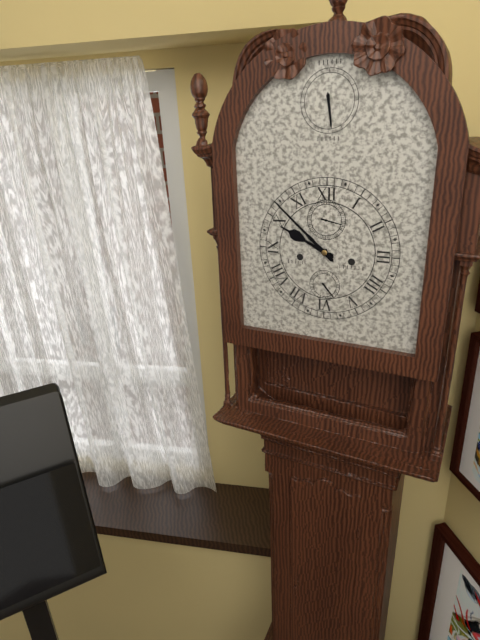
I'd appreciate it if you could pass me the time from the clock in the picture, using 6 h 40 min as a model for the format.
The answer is 9 h 52 min
